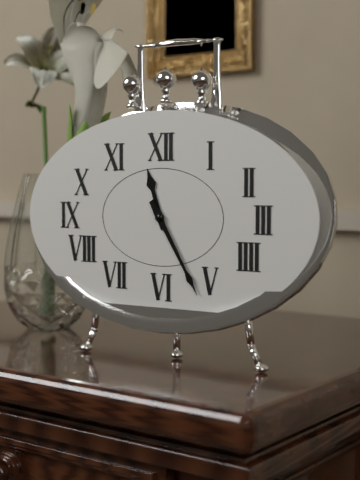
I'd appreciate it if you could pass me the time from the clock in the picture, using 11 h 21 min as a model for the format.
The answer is 11 h 25 min
